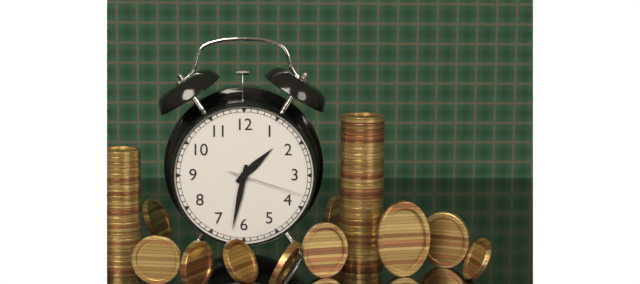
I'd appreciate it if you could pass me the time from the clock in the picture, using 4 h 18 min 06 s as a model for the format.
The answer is 1 h 32 min 18 s
